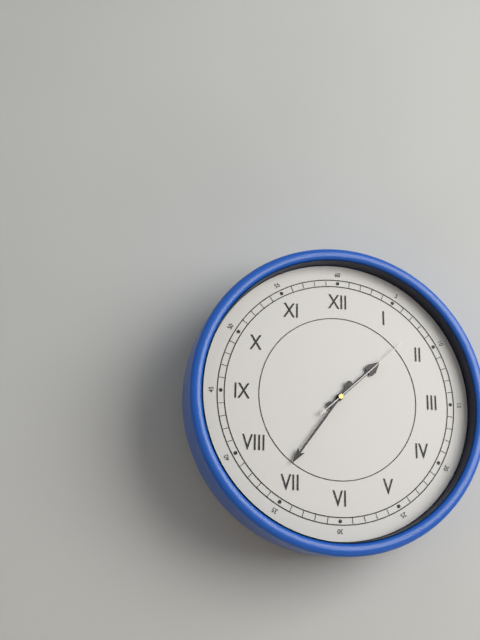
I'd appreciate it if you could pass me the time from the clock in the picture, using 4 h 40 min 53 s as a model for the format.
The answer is 1 h 36 min 08 s
